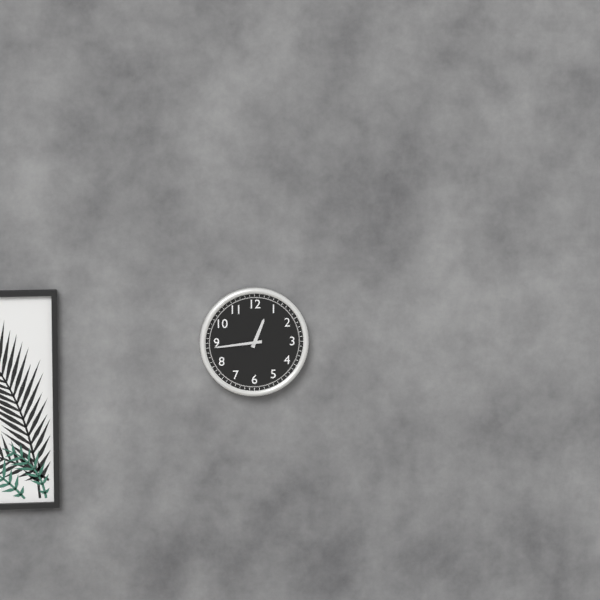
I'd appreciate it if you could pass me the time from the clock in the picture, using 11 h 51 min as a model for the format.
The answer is 12 h 44 min
